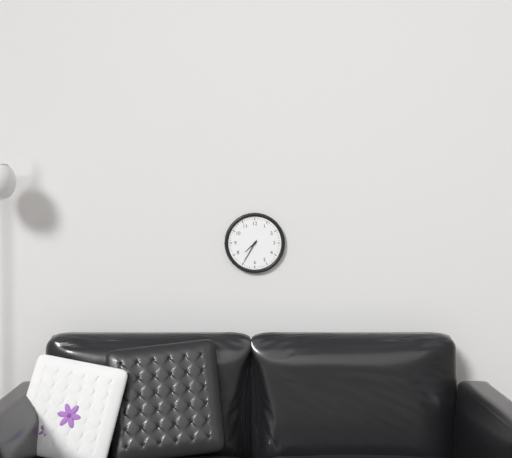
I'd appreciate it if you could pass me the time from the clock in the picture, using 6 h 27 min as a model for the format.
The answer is 7 h 35 min
